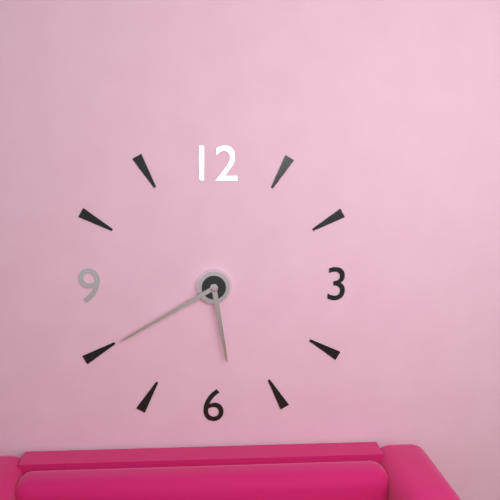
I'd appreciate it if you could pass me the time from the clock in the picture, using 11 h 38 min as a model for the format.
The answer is 5 h 40 min
